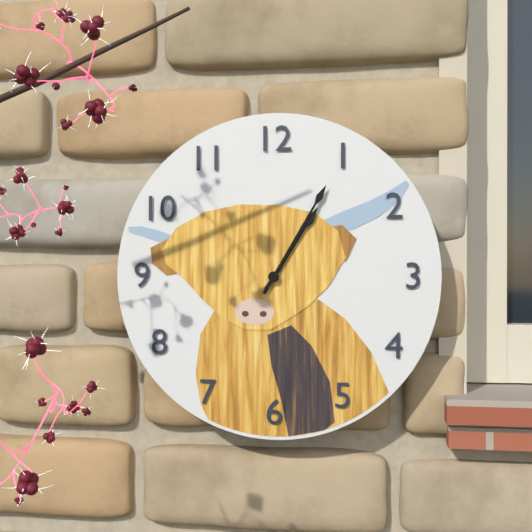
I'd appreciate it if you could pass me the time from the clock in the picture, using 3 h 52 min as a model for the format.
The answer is 1 h 05 min
